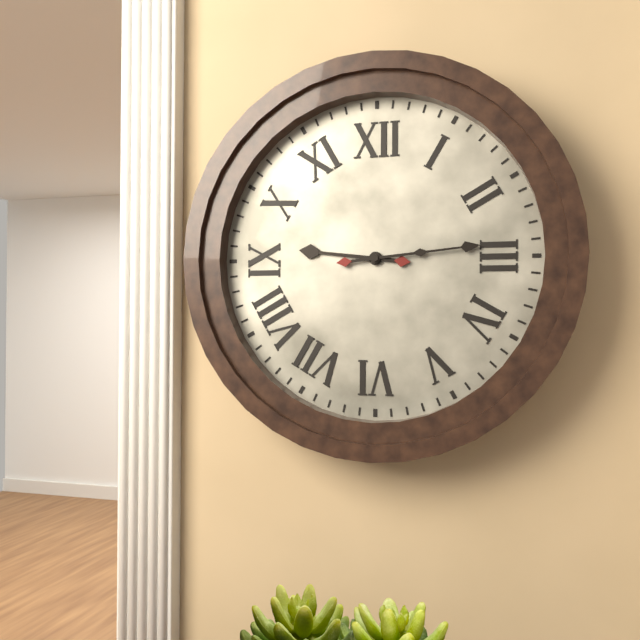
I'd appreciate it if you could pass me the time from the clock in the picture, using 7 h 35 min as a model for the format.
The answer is 9 h 14 min
